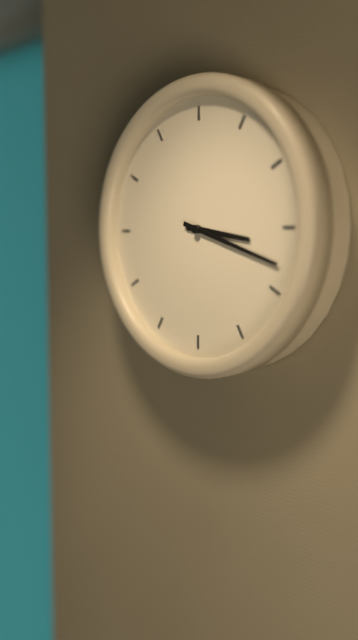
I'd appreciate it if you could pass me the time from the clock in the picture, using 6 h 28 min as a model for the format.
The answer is 3 h 18 min
